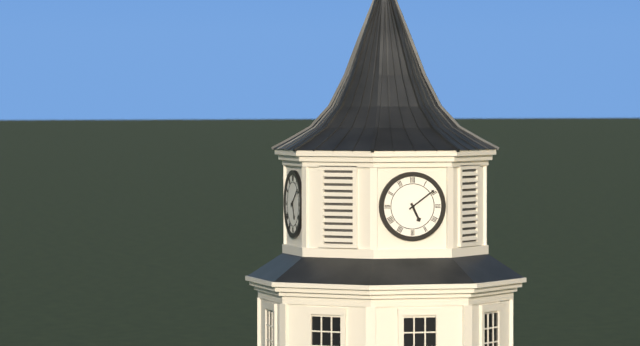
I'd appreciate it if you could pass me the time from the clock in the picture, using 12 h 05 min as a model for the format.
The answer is 5 h 09 min
